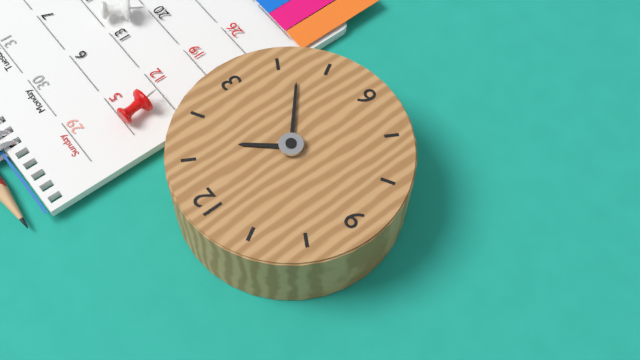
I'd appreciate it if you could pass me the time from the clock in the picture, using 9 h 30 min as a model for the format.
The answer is 1 h 22 min
